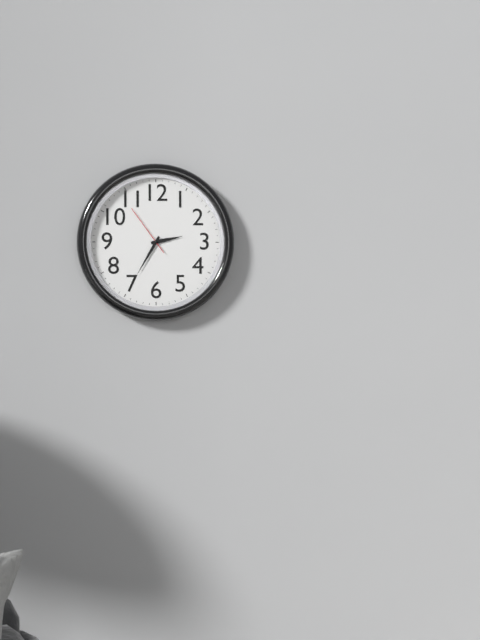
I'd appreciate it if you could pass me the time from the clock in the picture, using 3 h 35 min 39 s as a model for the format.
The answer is 2 h 35 min 54 s
